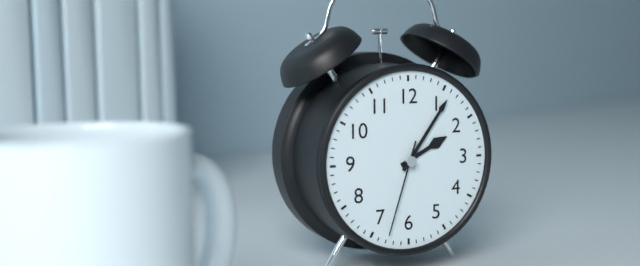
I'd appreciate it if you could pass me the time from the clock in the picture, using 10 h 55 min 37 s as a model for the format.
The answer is 2 h 06 min 33 s
